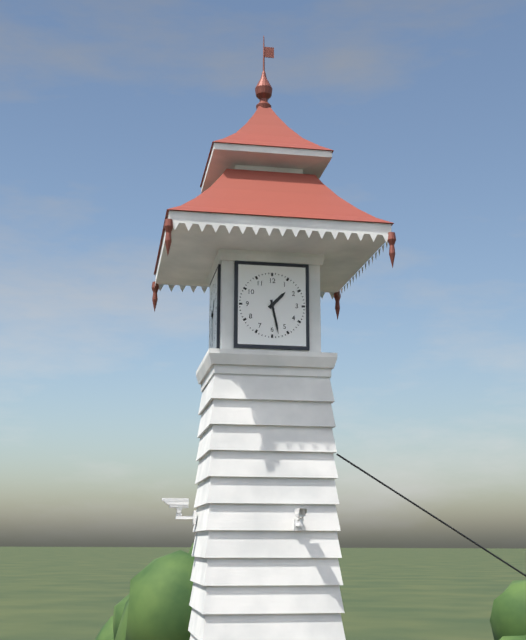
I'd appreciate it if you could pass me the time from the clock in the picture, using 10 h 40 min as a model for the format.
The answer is 1 h 28 min
